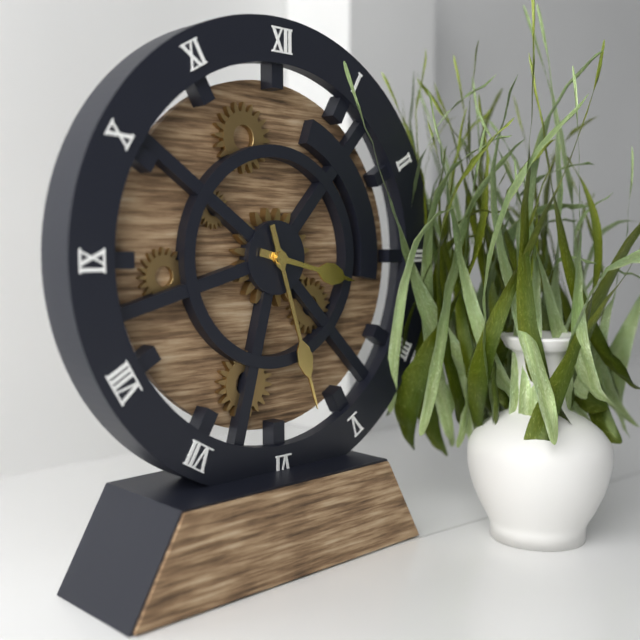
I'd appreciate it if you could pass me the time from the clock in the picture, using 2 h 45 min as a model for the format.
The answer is 3 h 27 min
